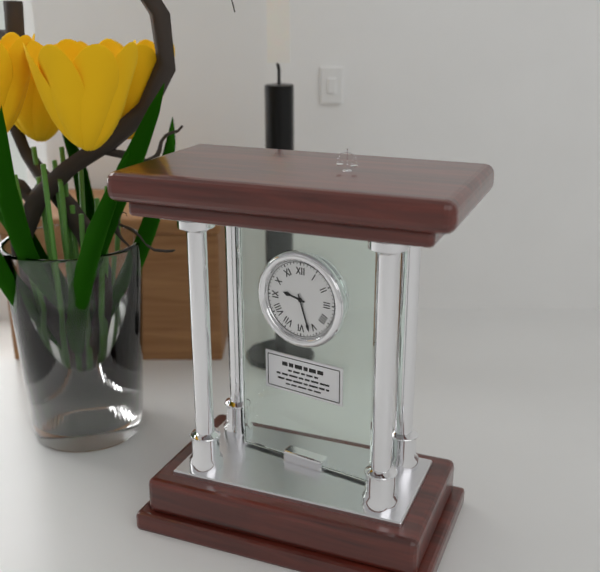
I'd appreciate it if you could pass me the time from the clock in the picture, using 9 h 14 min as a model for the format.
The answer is 9 h 27 min
